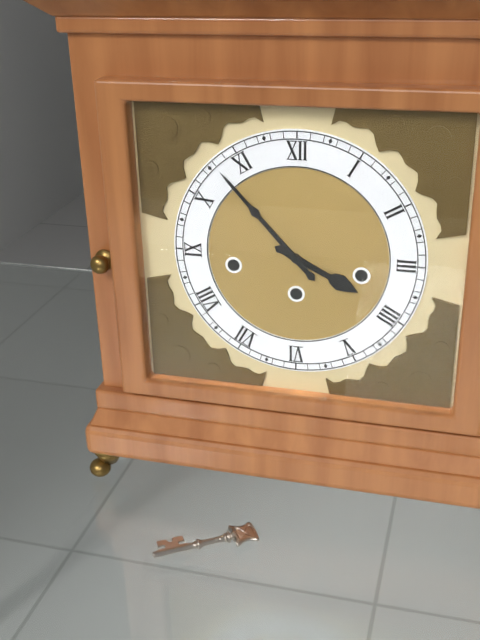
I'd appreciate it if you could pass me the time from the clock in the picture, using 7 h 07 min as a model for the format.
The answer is 3 h 53 min
